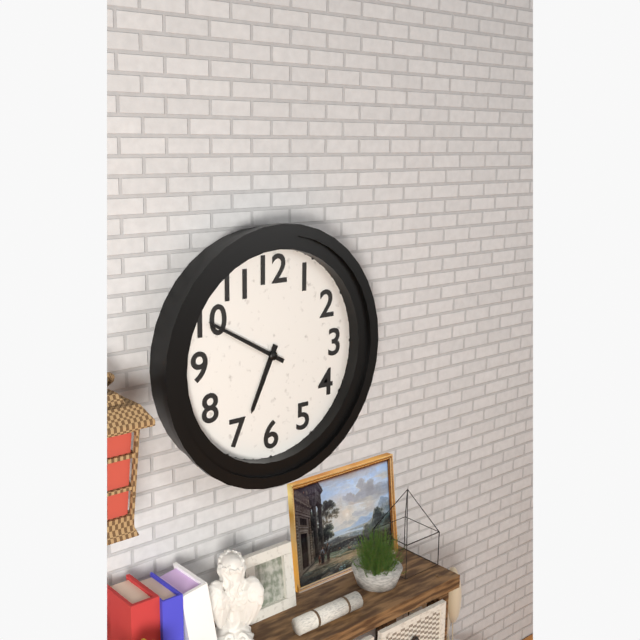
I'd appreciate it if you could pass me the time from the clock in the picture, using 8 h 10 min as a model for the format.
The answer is 6 h 50 min
